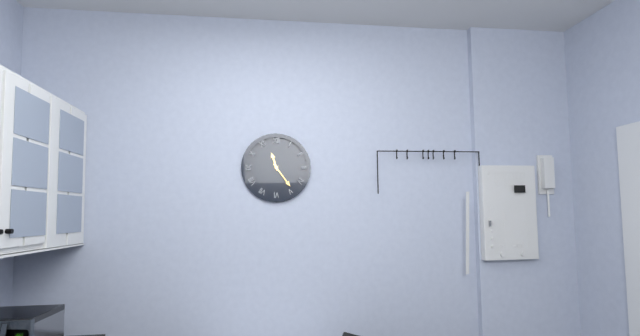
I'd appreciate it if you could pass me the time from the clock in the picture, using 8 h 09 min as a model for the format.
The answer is 11 h 24 min
